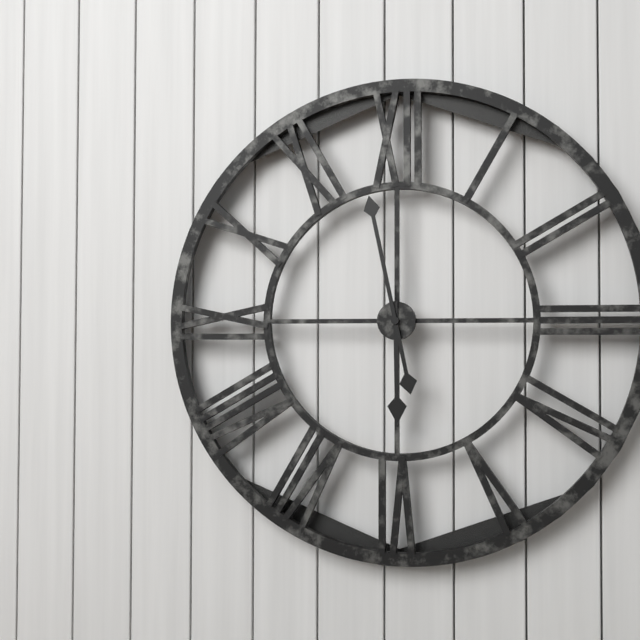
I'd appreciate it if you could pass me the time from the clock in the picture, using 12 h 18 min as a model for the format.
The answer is 5 h 58 min
